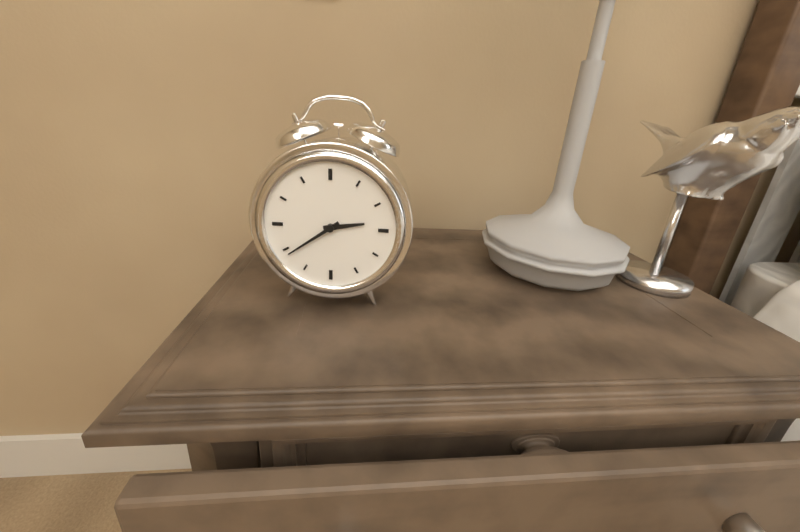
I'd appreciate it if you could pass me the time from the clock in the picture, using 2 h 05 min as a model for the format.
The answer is 2 h 39 min
